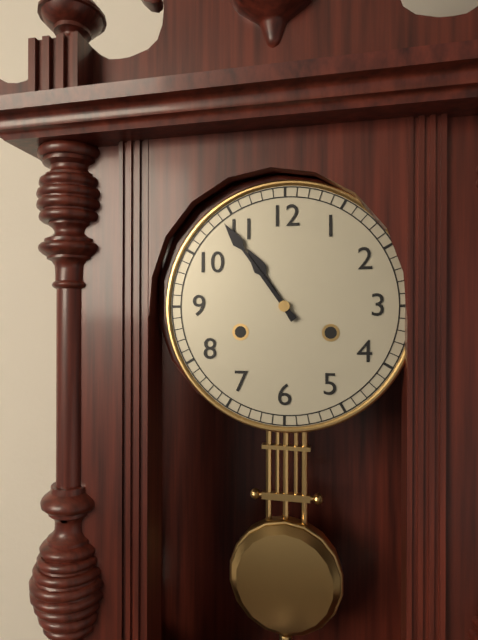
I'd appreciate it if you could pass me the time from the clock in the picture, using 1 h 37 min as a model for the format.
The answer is 10 h 54 min
